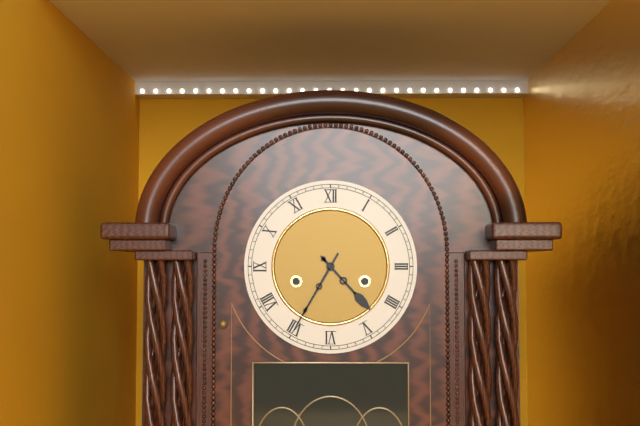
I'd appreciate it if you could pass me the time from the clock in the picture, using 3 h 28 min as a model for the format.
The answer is 4 h 35 min
